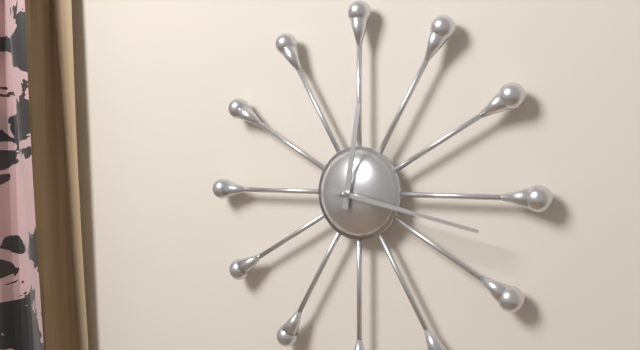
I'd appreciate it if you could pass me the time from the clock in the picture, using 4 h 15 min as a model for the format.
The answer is 12 h 17 min
